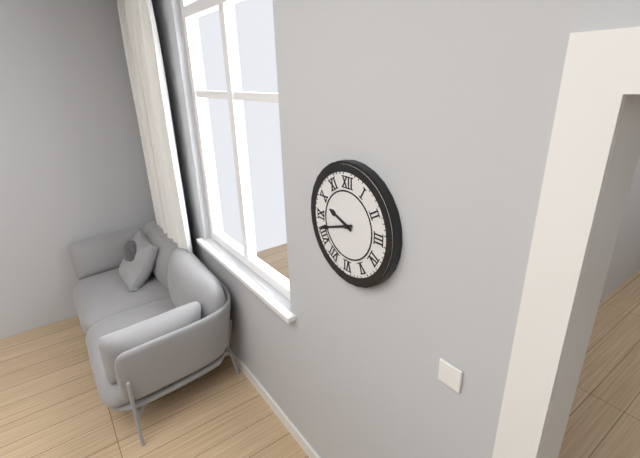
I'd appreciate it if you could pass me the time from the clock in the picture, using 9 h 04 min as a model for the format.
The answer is 9 h 42 min
